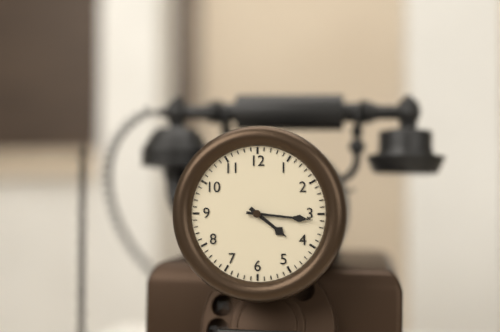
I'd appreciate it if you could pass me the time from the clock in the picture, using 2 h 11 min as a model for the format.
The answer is 4 h 16 min
